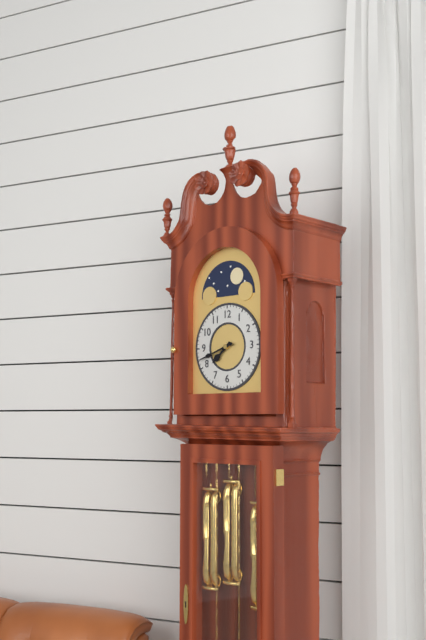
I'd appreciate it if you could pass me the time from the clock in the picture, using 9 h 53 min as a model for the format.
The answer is 7 h 42 min
